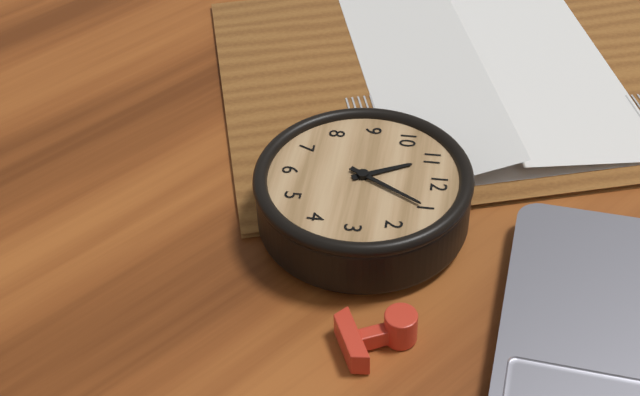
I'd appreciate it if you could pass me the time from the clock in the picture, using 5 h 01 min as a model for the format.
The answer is 11 h 05 min
